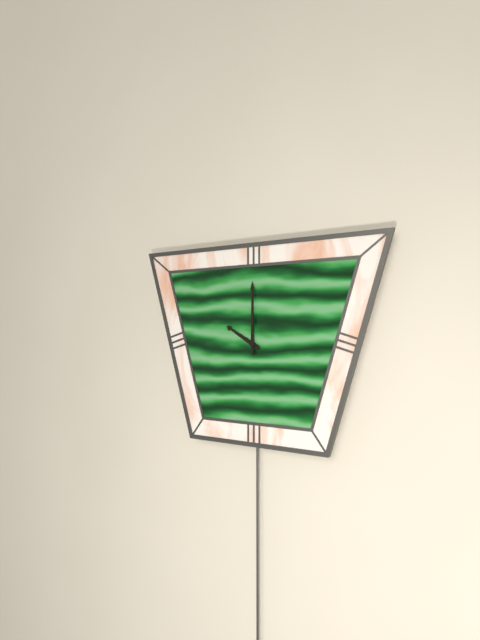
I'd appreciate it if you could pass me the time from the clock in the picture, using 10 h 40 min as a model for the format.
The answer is 10 h 00 min
